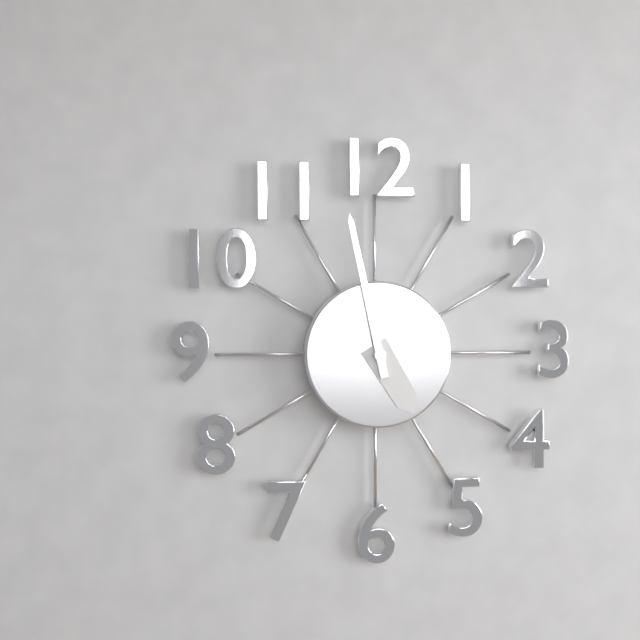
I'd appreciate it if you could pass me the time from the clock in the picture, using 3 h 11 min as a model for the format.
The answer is 4 h 58 min
